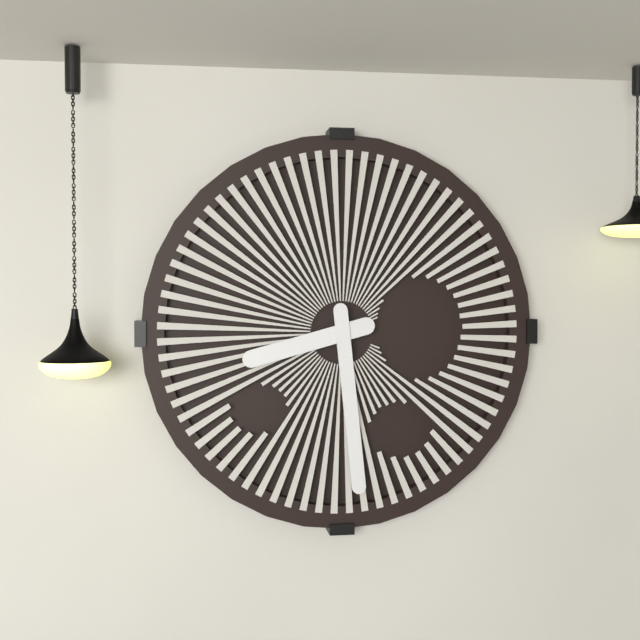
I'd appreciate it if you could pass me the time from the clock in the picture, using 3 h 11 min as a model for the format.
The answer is 8 h 29 min
